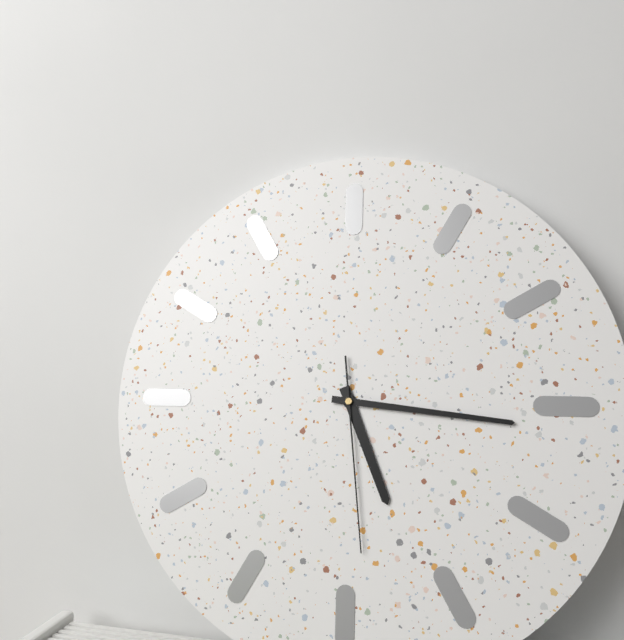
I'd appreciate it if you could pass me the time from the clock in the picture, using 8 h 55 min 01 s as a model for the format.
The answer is 5 h 16 min 29 s
